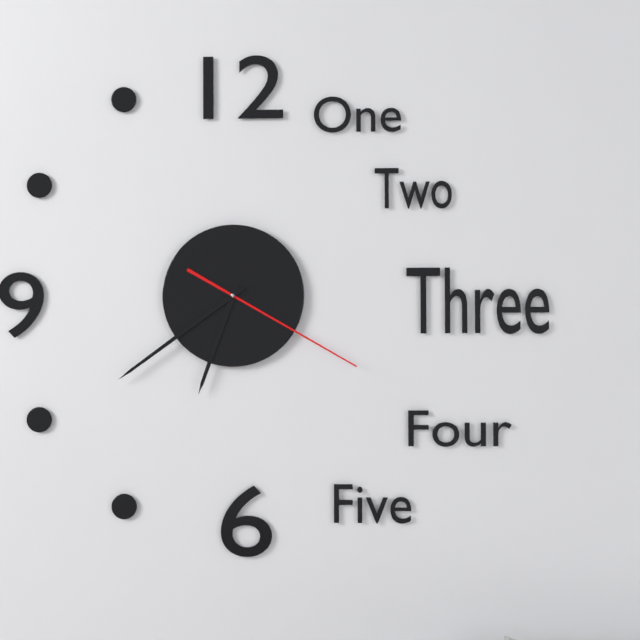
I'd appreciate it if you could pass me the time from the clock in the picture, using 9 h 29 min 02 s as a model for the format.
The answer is 6 h 39 min 20 s
